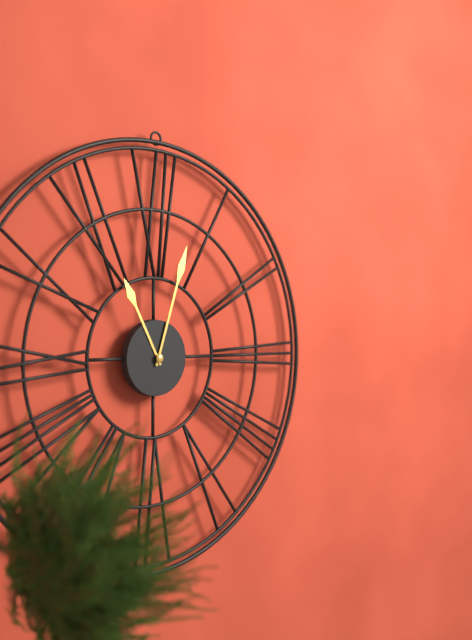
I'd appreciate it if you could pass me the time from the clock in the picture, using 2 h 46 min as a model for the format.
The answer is 11 h 03 min
